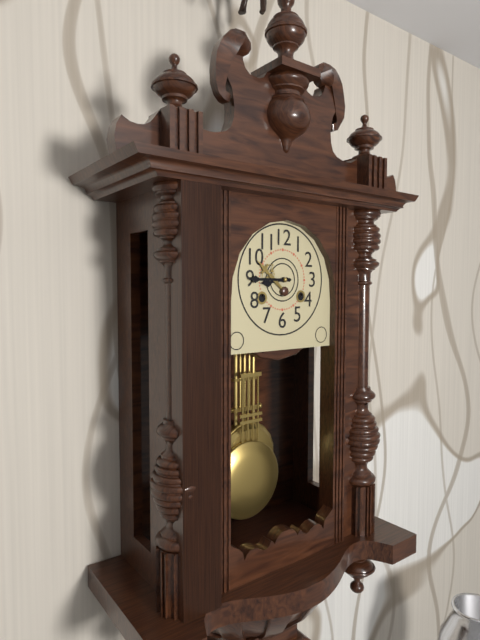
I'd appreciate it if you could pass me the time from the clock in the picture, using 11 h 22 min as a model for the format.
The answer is 8 h 45 min
